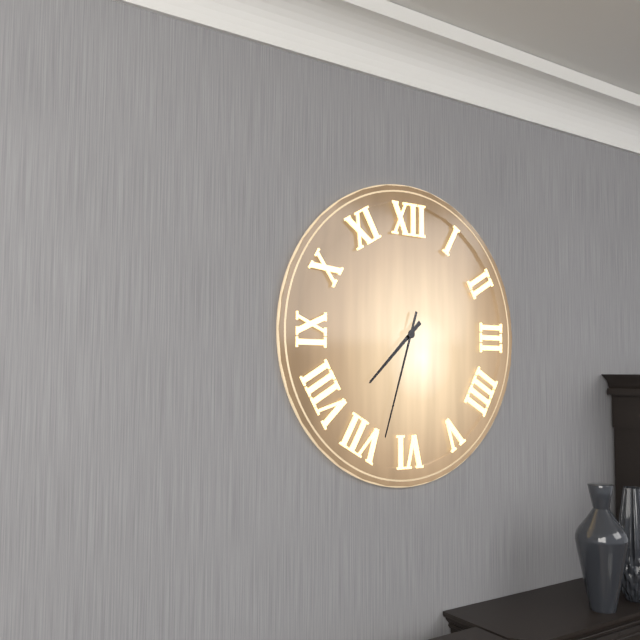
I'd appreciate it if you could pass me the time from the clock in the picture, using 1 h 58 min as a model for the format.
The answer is 7 h 33 min
